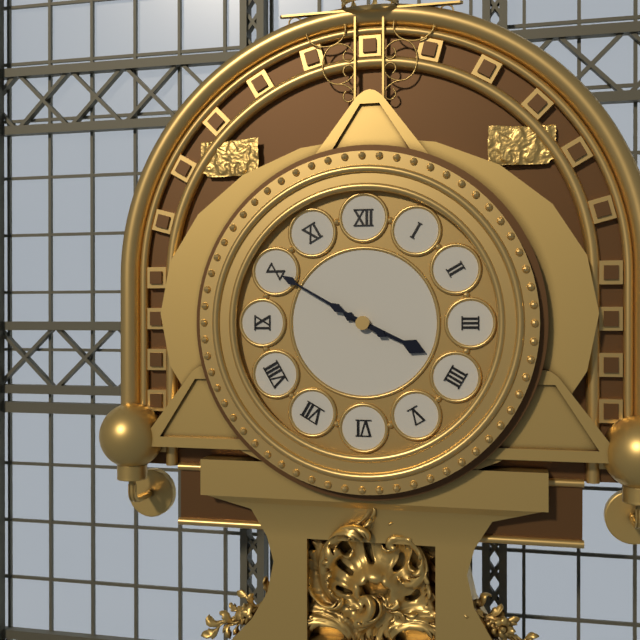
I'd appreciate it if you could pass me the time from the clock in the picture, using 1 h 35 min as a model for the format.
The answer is 3 h 50 min
